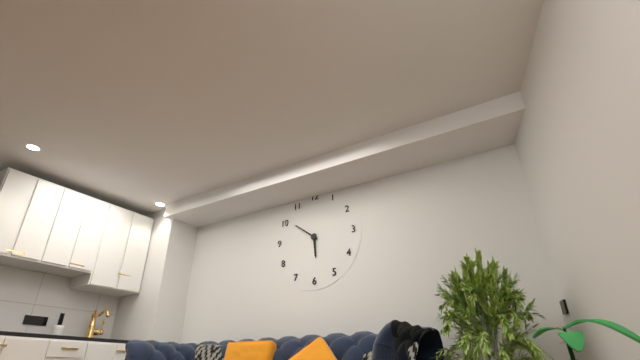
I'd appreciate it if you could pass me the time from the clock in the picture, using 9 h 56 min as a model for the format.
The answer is 5 h 51 min
